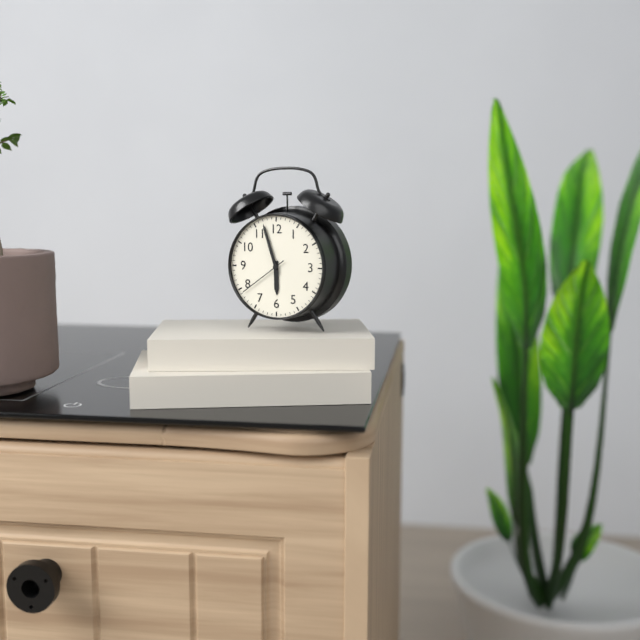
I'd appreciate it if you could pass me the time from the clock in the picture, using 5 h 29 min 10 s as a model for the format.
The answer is 5 h 57 min 39 s
